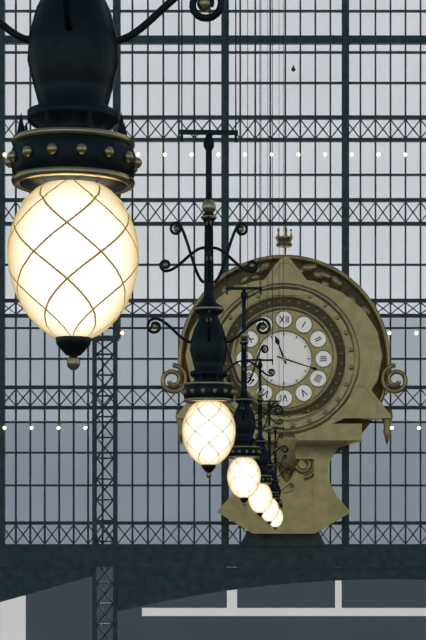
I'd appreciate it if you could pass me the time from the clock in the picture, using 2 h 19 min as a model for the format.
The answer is 11 h 18 min
